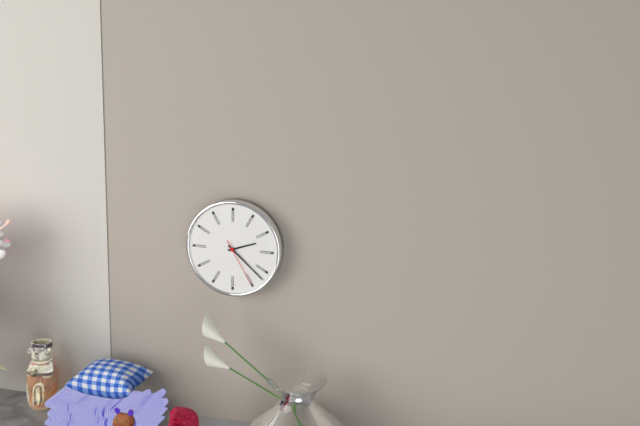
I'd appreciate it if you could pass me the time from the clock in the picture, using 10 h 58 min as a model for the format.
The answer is 2 h 22 min
